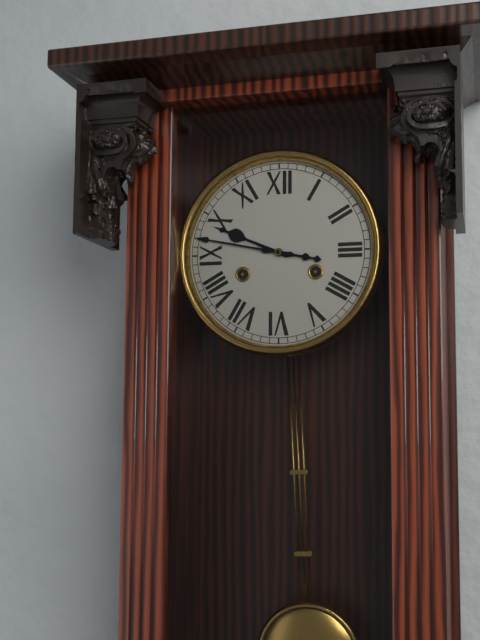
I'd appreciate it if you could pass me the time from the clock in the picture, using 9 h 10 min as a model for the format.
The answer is 9 h 47 min
